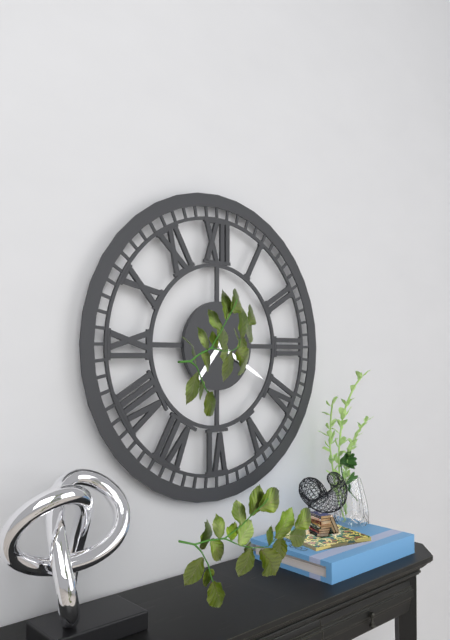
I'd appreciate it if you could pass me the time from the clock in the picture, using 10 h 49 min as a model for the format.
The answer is 7 h 20 min
